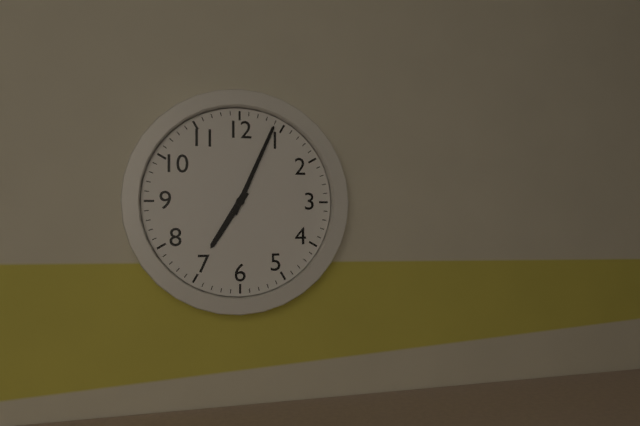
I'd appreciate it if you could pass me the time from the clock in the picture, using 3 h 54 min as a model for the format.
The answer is 7 h 04 min
